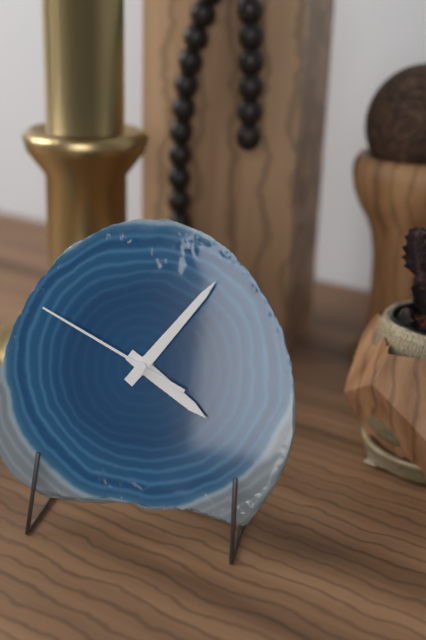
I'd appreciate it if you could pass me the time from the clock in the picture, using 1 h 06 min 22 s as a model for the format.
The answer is 4 h 06 min 49 s
